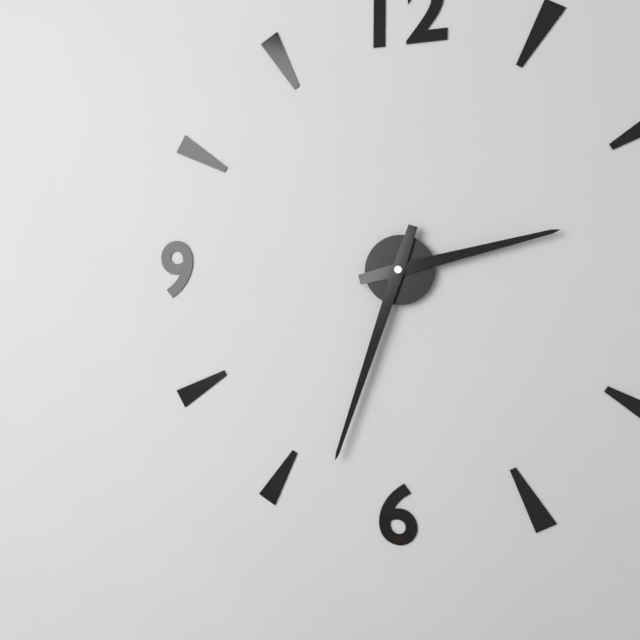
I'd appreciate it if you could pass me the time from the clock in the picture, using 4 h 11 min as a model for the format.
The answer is 2 h 33 min
